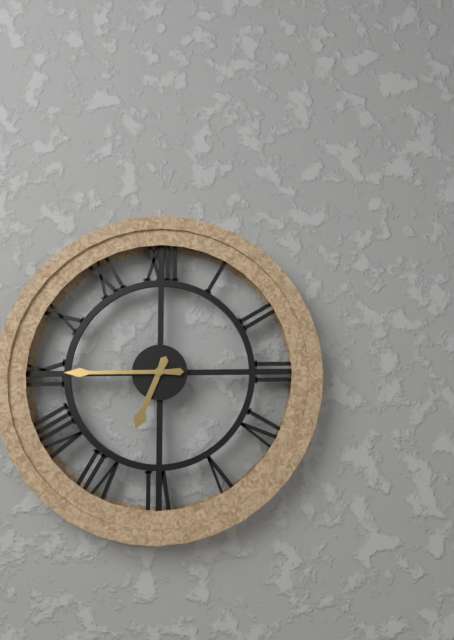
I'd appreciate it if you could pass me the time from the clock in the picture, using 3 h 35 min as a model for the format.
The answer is 6 h 45 min
